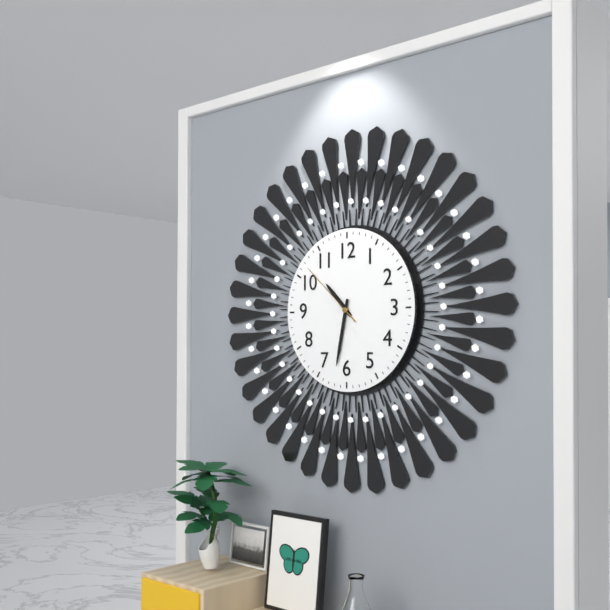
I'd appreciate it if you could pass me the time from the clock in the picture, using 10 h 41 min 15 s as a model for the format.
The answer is 10 h 32 min 52 s
